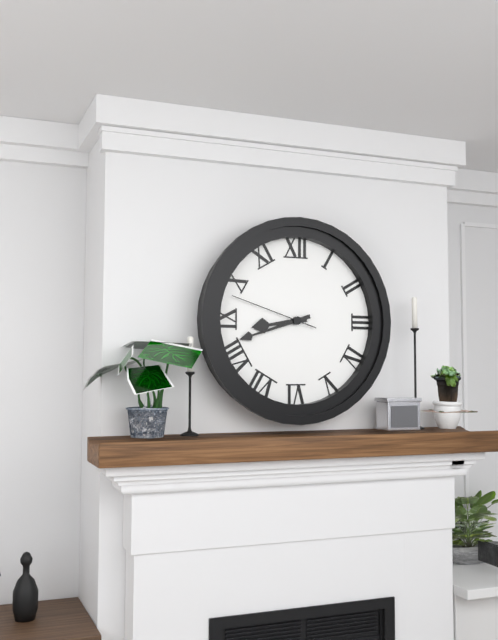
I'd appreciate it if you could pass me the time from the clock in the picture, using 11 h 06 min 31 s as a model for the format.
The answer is 8 h 42 min 48 s
